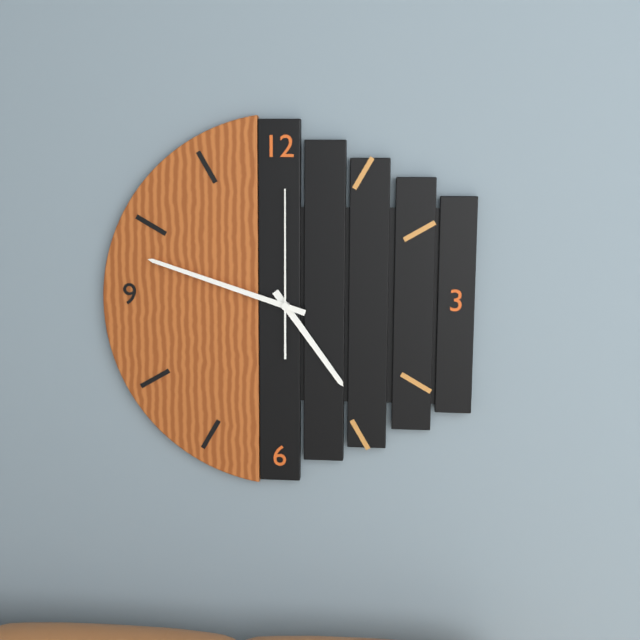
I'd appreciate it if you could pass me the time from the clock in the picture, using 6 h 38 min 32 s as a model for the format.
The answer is 4 h 48 min 00 s
